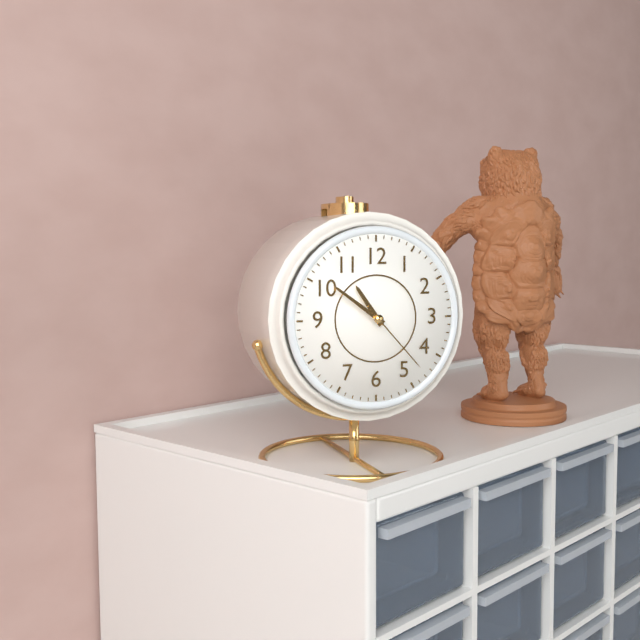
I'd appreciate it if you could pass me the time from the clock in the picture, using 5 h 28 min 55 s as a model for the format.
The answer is 10 h 51 min 23 s
